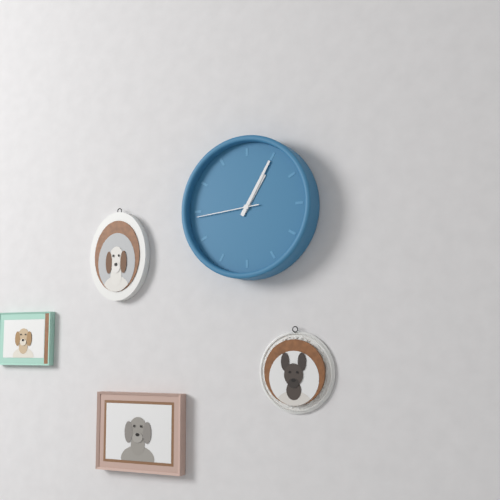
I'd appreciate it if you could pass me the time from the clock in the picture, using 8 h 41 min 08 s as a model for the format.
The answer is 1 h 05 min 44 s
